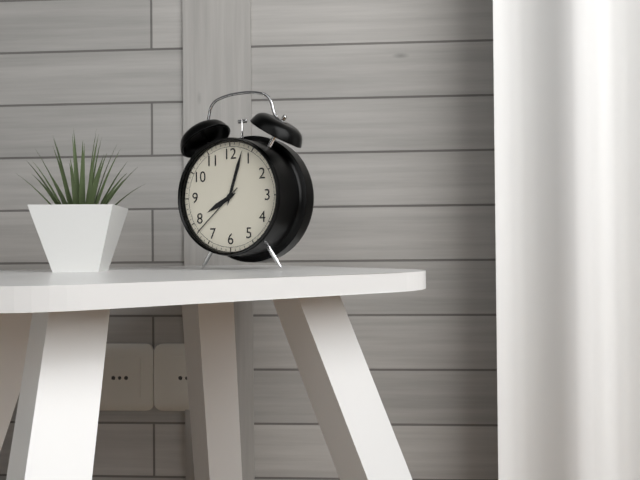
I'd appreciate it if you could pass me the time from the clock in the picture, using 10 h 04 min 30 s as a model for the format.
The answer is 8 h 03 min 38 s
